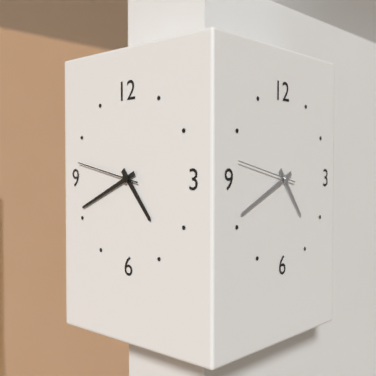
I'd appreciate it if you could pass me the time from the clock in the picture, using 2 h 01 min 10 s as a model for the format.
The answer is 4 h 41 min 47 s
